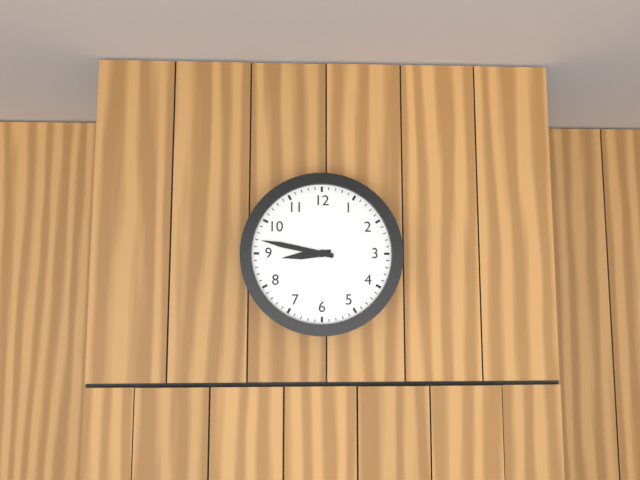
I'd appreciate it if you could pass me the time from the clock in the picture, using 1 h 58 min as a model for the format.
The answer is 8 h 47 min
